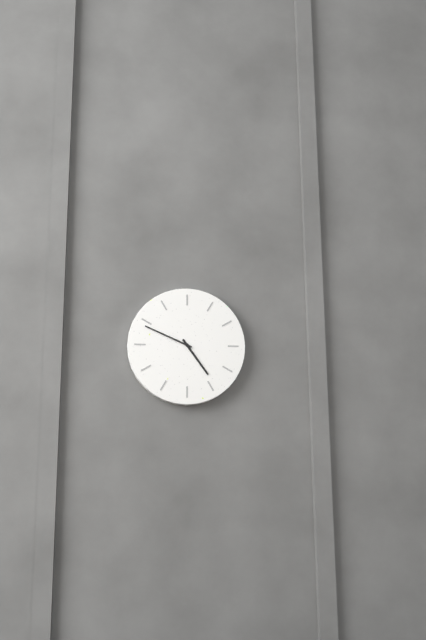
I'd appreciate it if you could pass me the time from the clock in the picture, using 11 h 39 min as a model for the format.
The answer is 4 h 49 min
